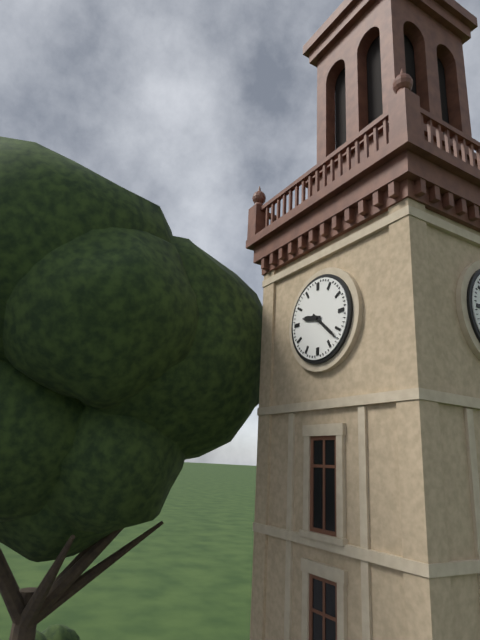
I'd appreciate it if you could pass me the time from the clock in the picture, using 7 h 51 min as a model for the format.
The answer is 9 h 22 min
